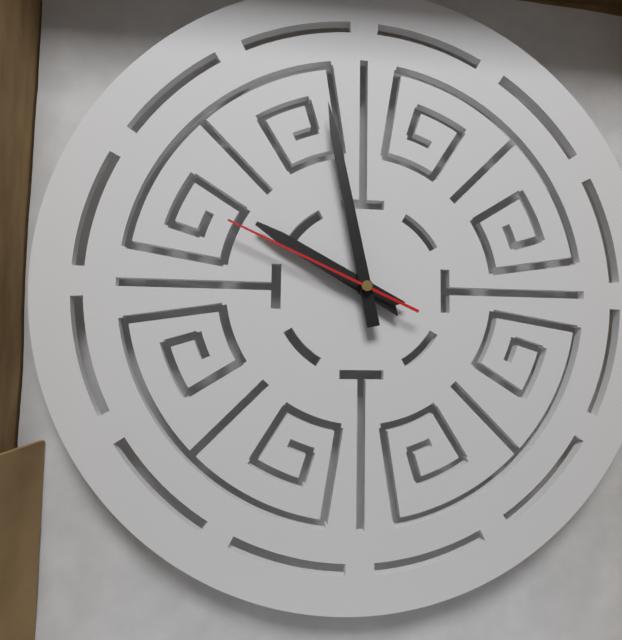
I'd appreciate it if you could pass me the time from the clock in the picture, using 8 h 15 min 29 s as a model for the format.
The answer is 9 h 58 min 49 s
